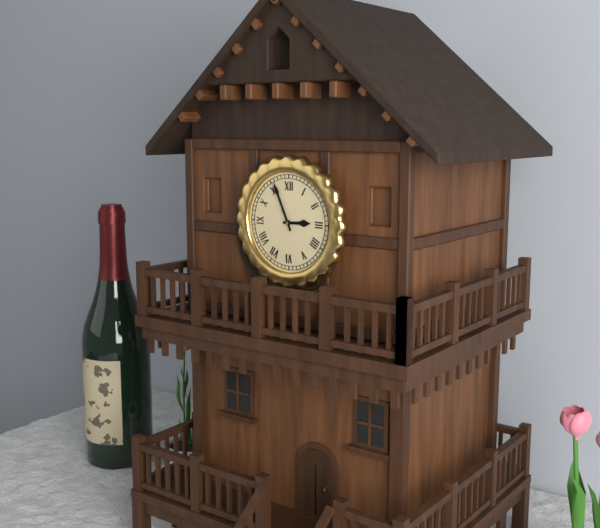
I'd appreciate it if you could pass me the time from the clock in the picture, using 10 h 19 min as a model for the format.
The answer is 2 h 56 min
